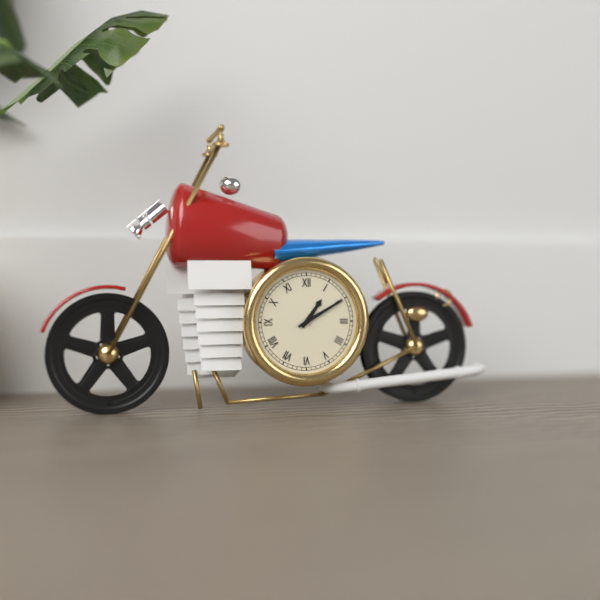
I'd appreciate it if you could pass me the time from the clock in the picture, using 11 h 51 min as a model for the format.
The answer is 1 h 10 min
